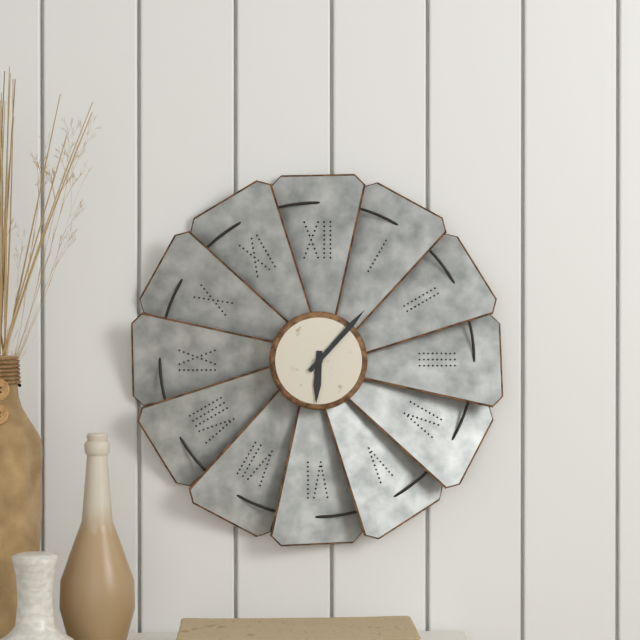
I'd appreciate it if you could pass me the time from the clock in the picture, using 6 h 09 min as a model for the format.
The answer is 6 h 07 min
